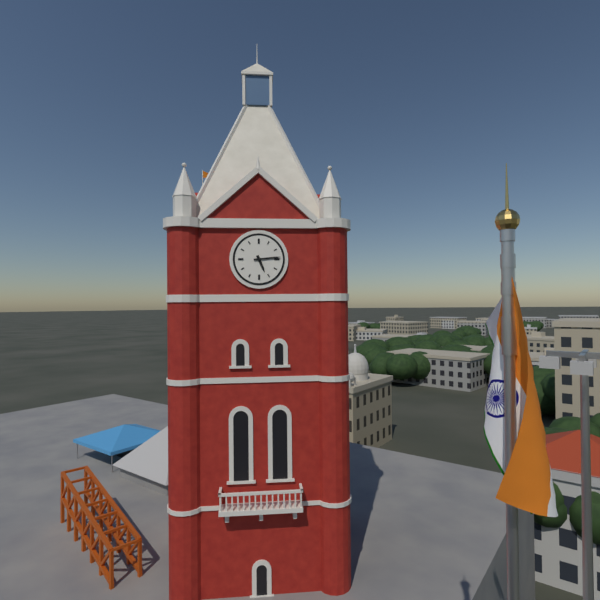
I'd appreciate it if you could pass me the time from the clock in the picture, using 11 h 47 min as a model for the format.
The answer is 5 h 14 min
